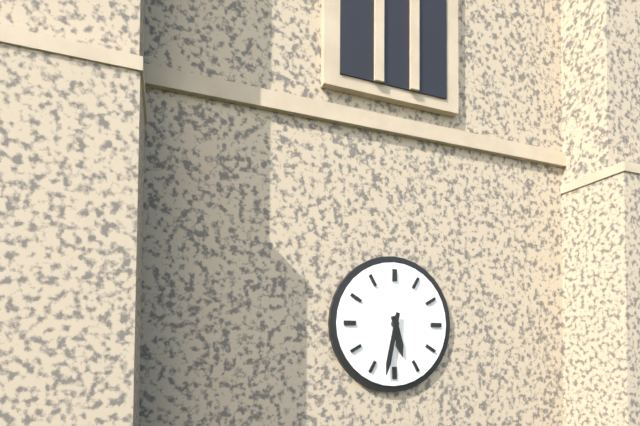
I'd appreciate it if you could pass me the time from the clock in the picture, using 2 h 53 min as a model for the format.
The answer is 5 h 32 min
